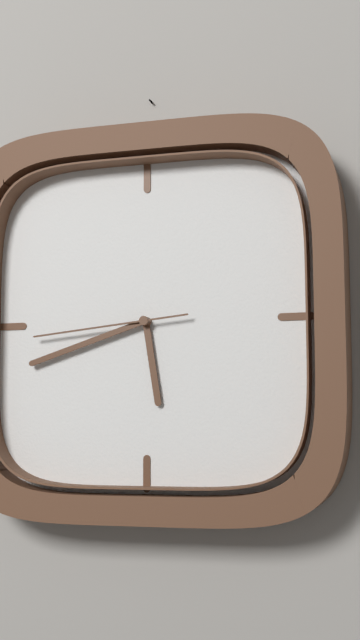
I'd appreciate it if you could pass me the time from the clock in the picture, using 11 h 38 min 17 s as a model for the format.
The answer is 5 h 42 min 44 s
